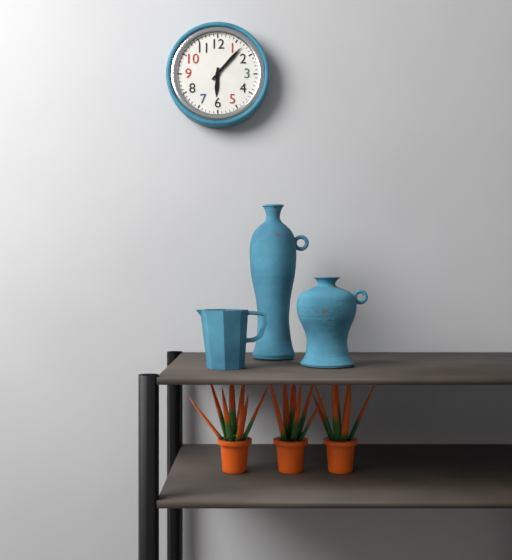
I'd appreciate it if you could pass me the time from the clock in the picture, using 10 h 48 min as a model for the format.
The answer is 6 h 07 min
